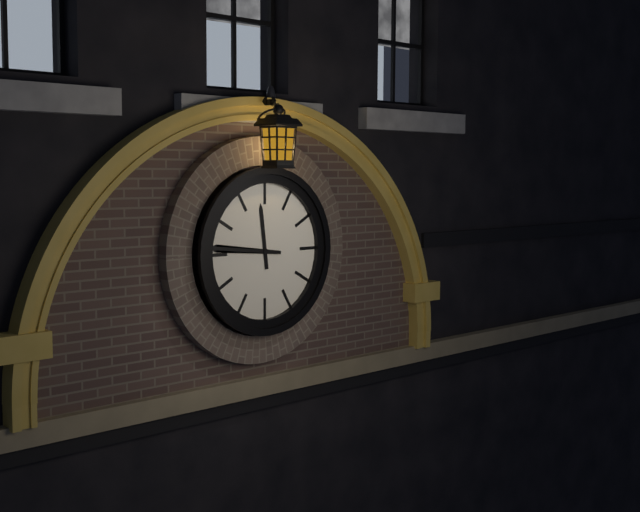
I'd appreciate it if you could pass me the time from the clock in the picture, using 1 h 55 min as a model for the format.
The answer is 11 h 46 min
